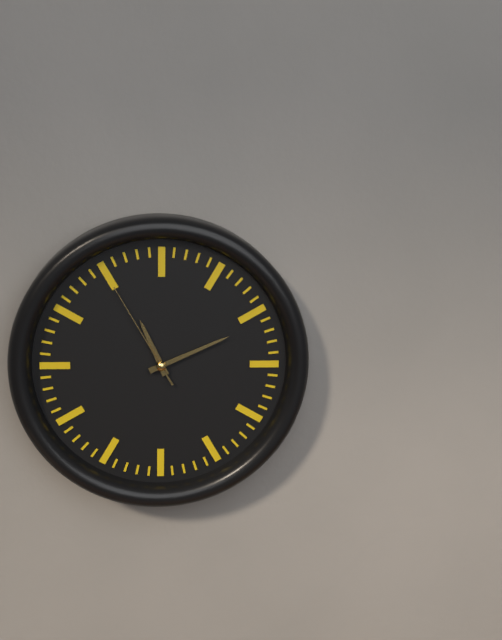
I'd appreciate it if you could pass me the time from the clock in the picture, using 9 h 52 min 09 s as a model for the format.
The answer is 11 h 11 min 55 s
